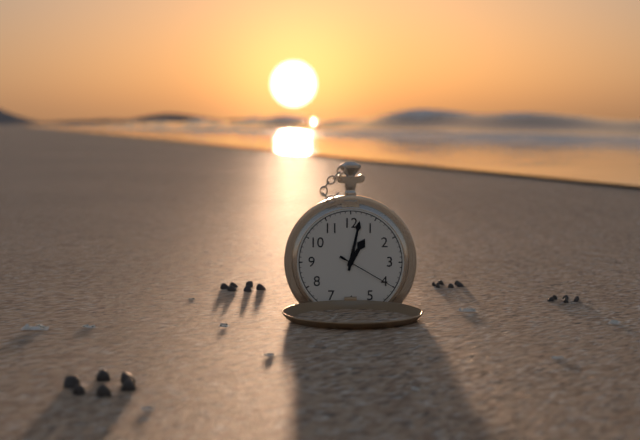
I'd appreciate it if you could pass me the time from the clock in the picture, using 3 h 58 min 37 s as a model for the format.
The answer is 1 h 02 min 20 s
